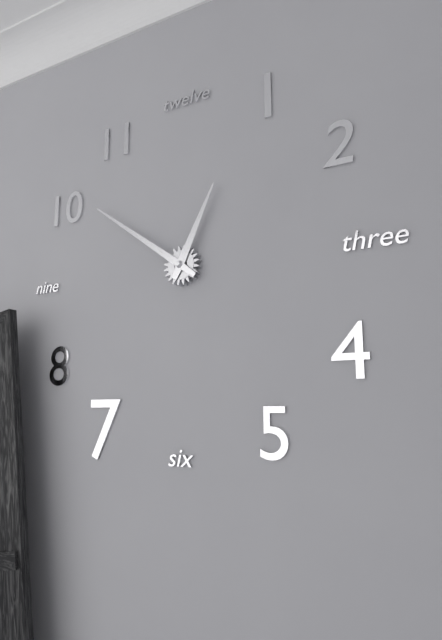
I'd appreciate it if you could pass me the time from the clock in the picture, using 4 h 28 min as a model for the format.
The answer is 12 h 51 min
